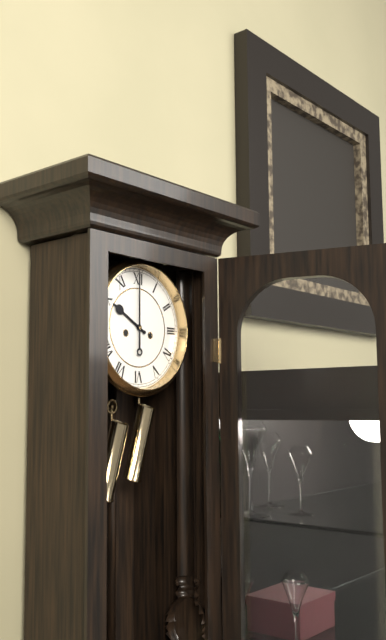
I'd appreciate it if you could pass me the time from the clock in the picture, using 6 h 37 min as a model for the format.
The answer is 10 h 00 min
